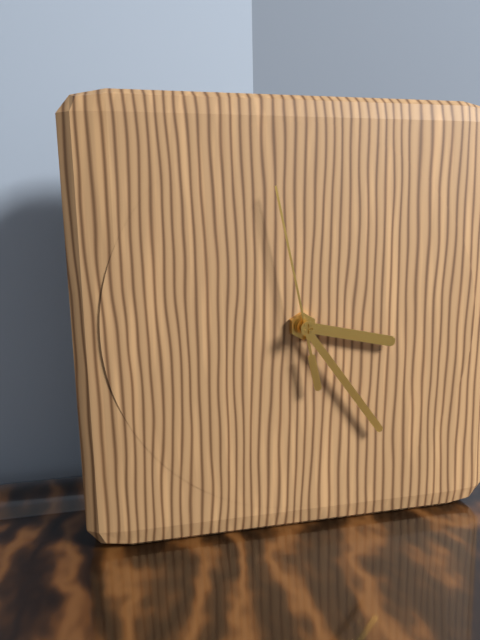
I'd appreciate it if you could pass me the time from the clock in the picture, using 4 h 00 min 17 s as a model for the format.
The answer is 3 h 24 min 58 s
